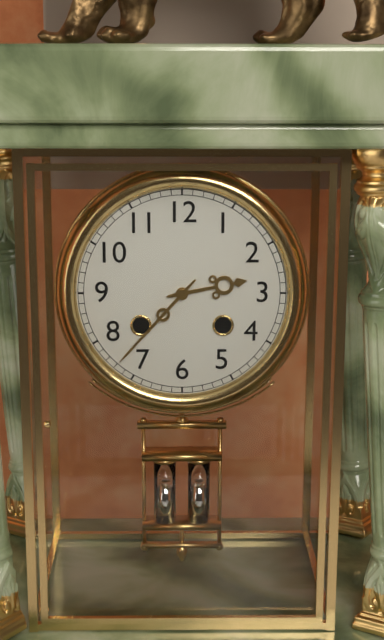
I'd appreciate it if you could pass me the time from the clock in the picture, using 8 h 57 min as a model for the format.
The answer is 2 h 37 min
